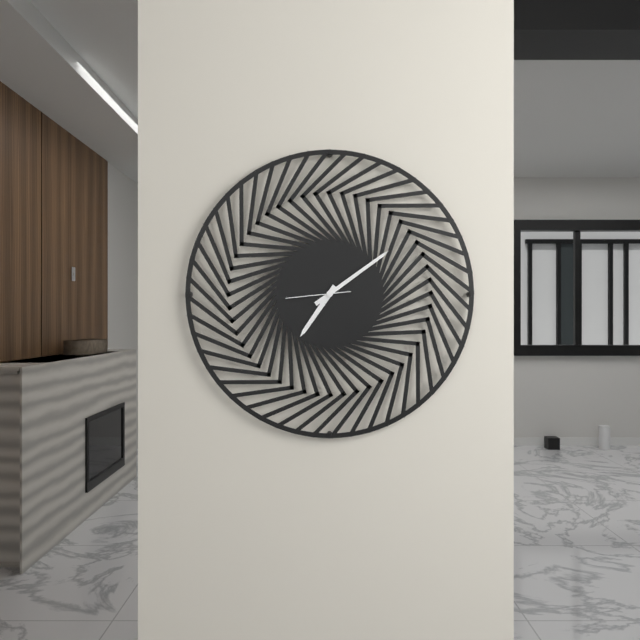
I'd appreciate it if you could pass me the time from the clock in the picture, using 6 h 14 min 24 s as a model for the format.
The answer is 7 h 09 min 44 s
